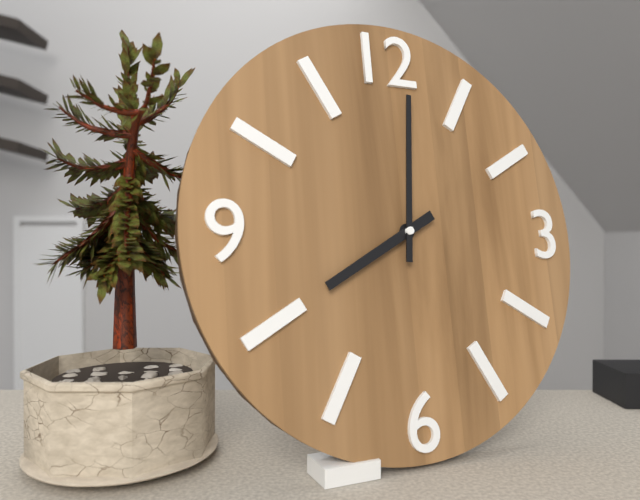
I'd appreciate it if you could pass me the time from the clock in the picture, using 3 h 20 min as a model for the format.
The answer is 8 h 01 min
